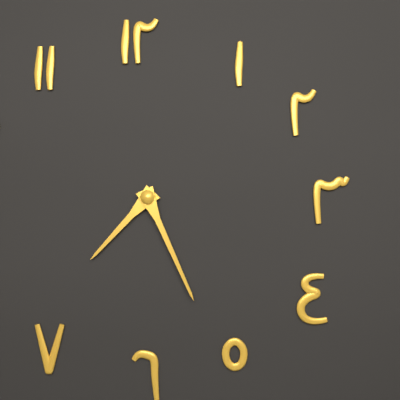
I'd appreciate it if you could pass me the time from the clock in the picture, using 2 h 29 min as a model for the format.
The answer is 7 h 26 min
